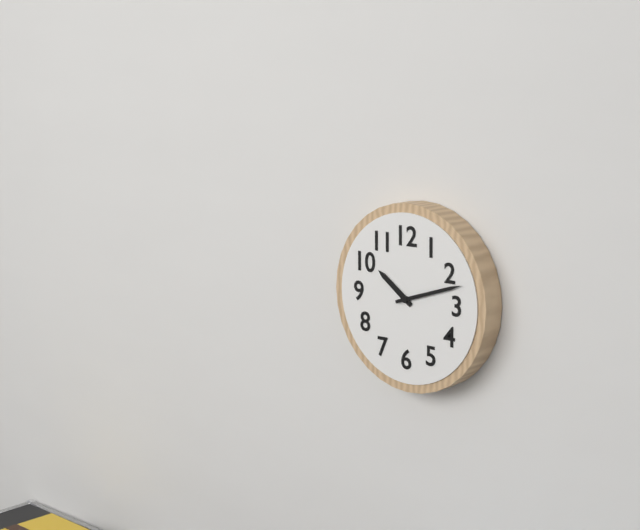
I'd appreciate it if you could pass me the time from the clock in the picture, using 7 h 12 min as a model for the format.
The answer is 10 h 12 min
